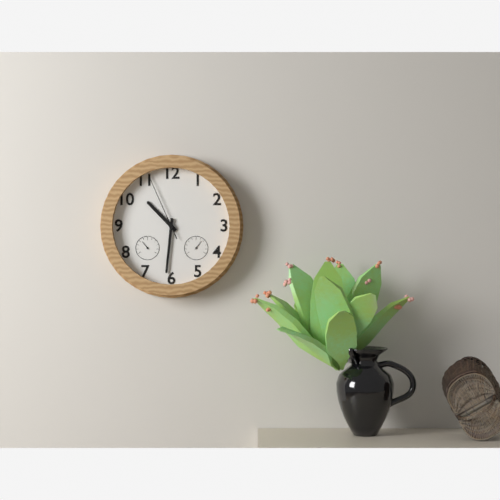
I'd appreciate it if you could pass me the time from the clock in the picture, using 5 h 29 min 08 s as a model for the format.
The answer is 10 h 31 min 56 s
